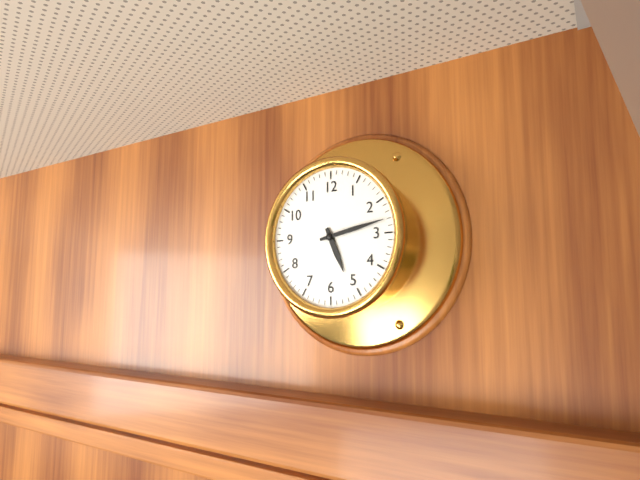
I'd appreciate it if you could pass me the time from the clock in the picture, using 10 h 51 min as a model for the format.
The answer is 5 h 13 min
